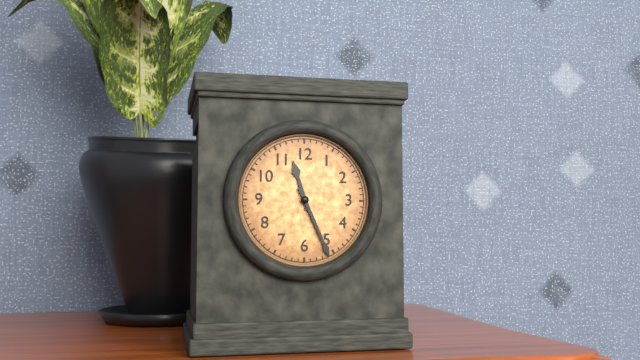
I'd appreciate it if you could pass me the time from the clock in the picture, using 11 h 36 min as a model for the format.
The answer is 11 h 26 min
